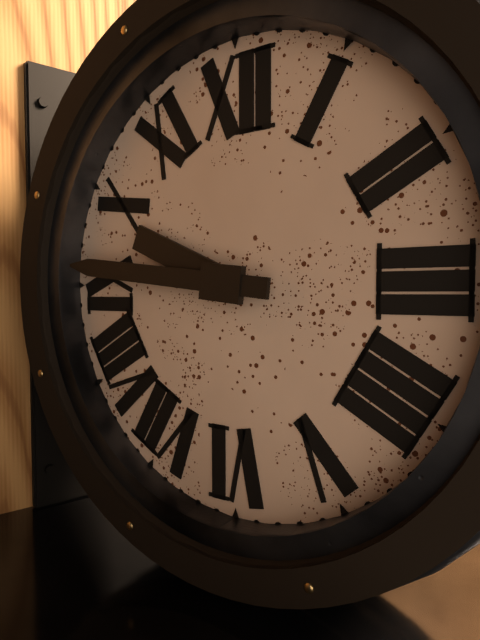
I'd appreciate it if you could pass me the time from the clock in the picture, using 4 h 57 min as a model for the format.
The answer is 9 h 46 min
